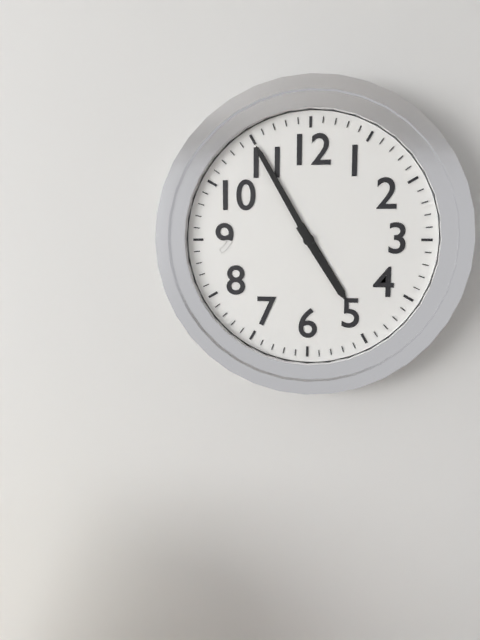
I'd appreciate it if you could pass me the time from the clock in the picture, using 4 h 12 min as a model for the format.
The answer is 4 h 55 min
